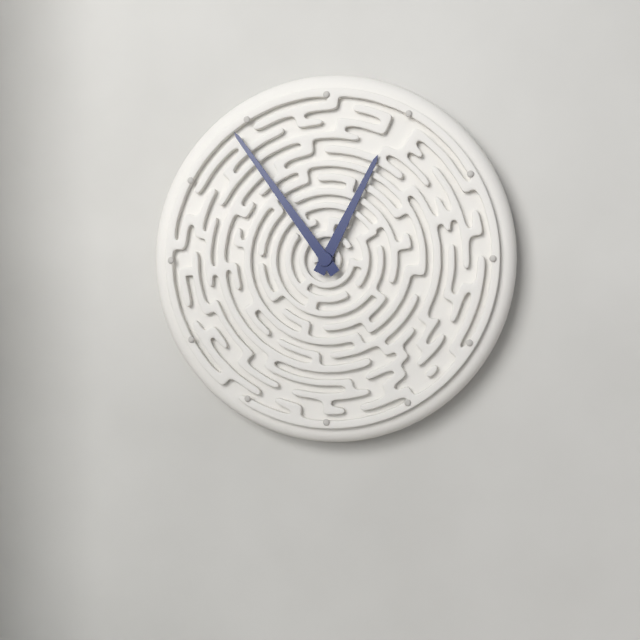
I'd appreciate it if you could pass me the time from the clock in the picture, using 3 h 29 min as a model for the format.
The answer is 12 h 54 min
